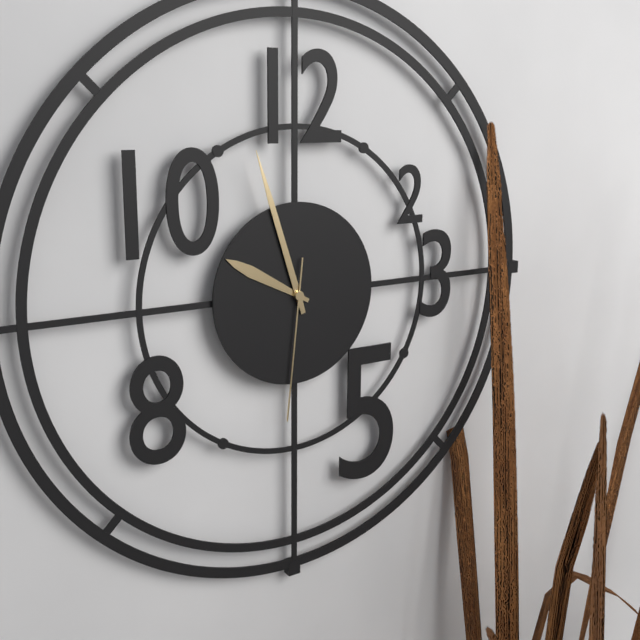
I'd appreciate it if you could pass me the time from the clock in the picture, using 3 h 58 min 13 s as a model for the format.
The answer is 9 h 57 min 31 s
